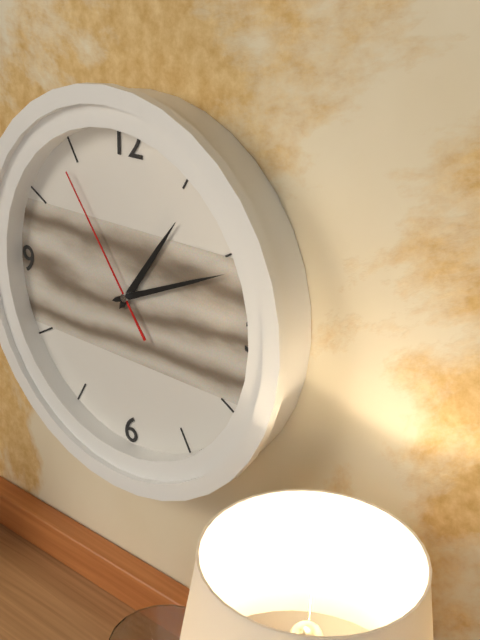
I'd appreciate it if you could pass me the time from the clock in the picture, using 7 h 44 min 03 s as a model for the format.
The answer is 1 h 11 min 54 s
